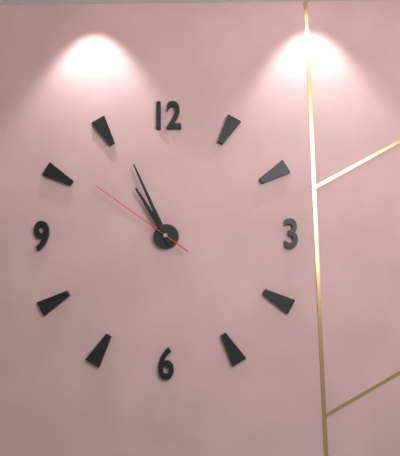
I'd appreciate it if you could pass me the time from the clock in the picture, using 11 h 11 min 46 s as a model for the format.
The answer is 10 h 56 min 51 s
